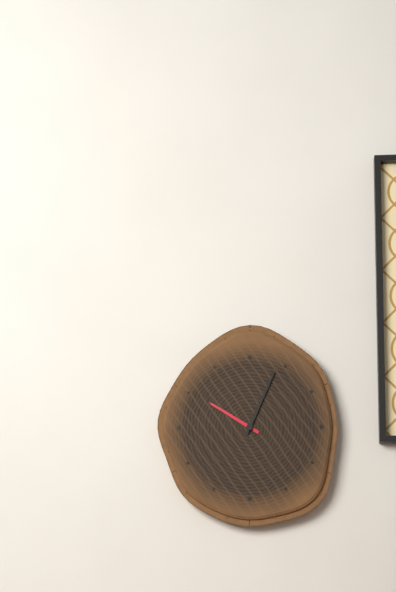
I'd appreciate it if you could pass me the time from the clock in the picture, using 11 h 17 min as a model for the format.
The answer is 10 h 04 min
